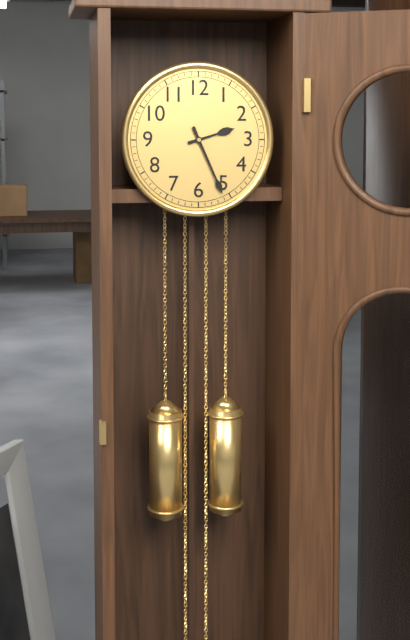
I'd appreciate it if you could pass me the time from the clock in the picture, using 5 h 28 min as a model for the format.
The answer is 2 h 26 min
